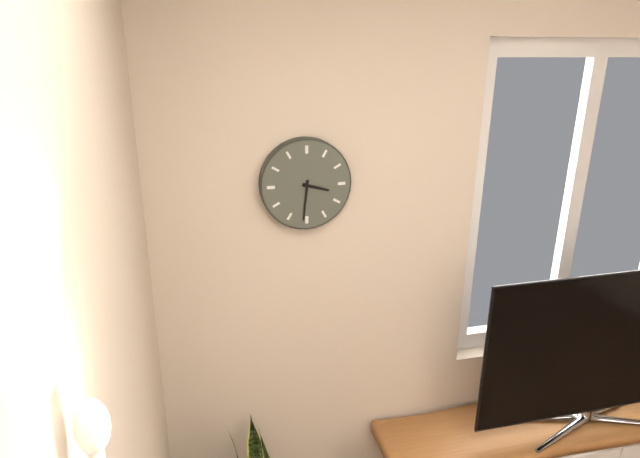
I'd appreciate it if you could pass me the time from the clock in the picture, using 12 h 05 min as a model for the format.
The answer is 3 h 31 min
